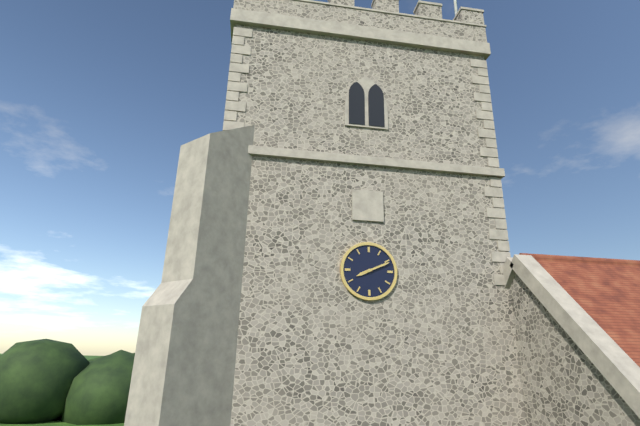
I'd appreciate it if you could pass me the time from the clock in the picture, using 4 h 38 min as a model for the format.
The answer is 8 h 11 min
